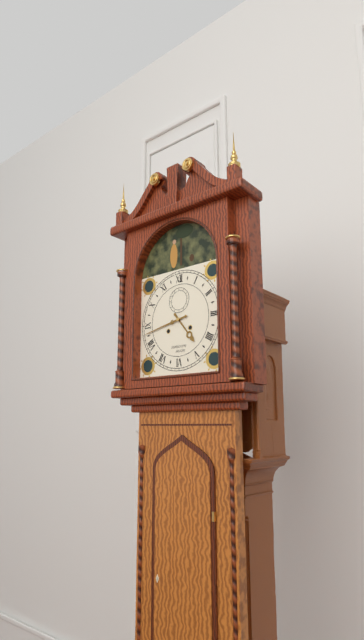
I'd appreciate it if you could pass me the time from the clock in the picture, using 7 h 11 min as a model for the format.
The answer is 4 h 43 min
